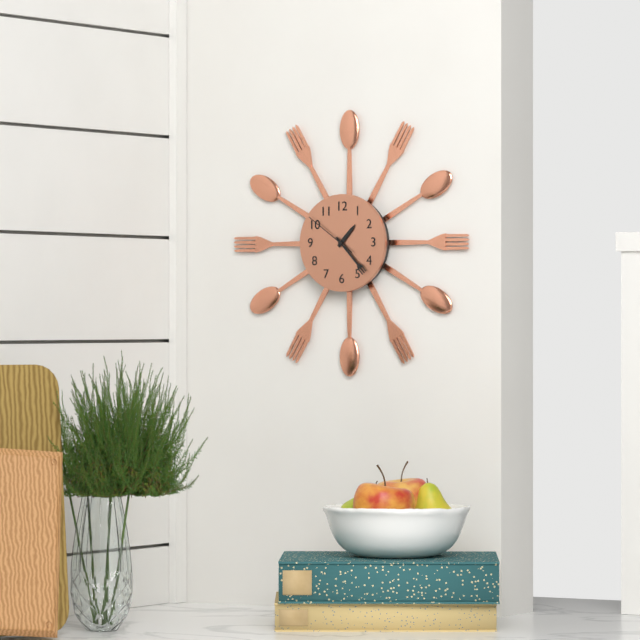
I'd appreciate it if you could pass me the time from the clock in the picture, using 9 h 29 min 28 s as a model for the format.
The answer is 1 h 23 min 51 s
